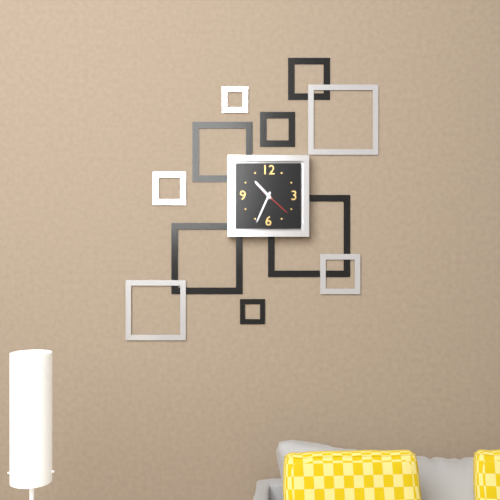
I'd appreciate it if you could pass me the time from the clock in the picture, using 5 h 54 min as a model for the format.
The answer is 10 h 34 min
